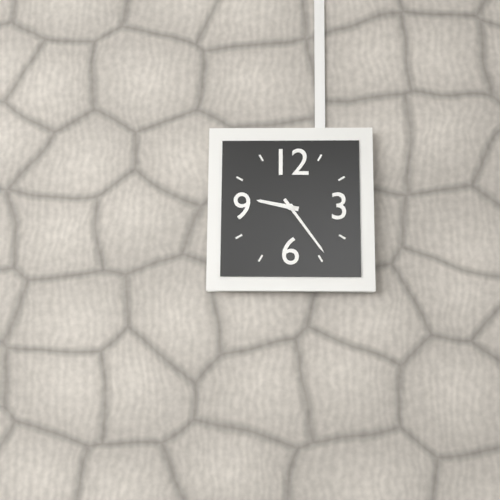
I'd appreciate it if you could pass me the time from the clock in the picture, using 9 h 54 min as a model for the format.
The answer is 9 h 24 min
